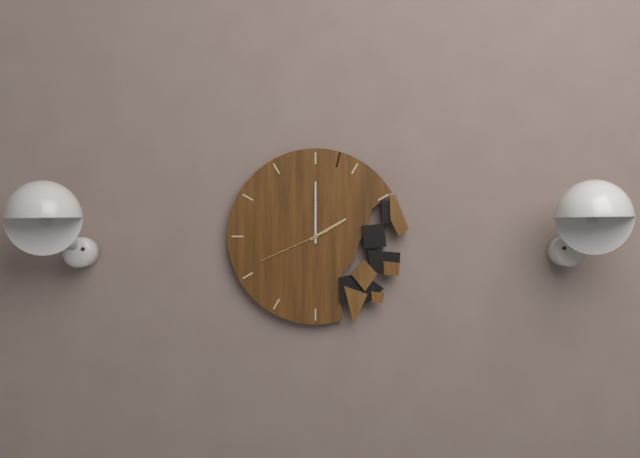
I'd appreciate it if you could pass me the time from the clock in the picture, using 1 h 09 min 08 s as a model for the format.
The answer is 2 h 00 min 41 s
